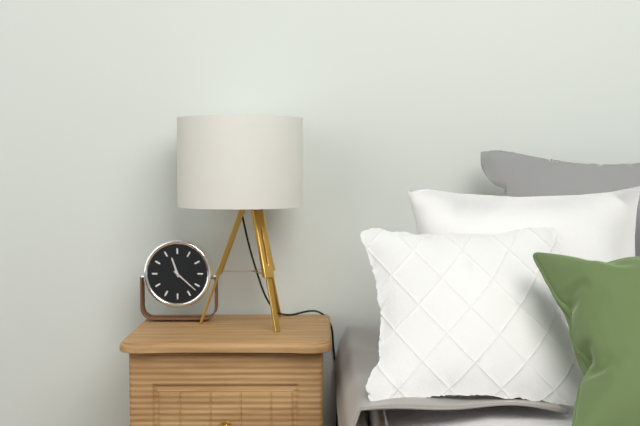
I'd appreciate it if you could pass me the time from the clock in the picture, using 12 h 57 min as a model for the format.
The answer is 11 h 22 min
